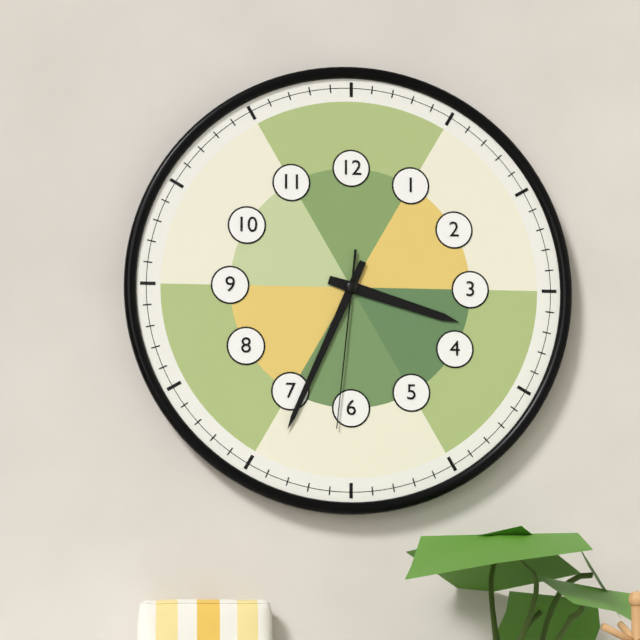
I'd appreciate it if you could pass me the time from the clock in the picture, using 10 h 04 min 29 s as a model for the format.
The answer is 3 h 34 min 31 s
